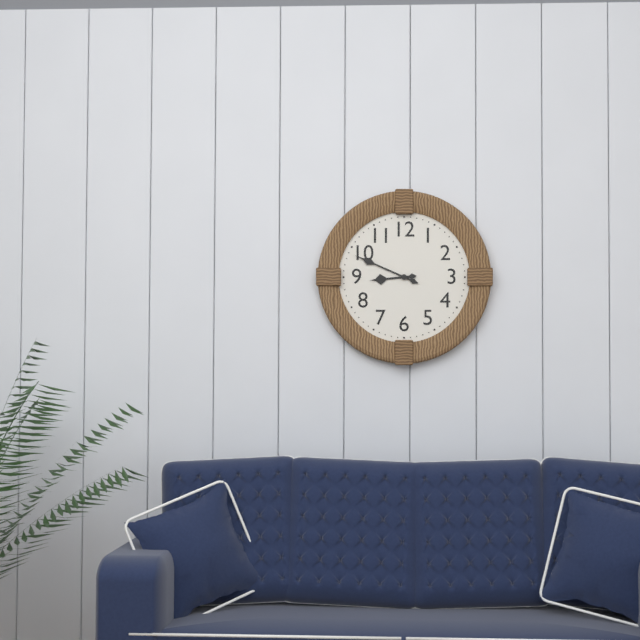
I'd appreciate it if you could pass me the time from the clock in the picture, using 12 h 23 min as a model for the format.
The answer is 8 h 49 min
